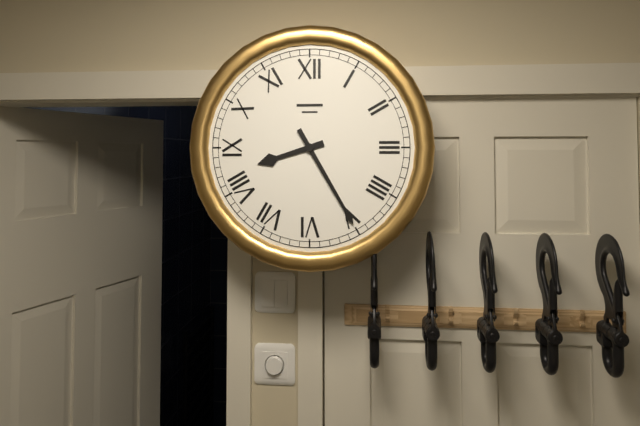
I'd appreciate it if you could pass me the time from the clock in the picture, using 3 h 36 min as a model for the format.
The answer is 8 h 25 min
